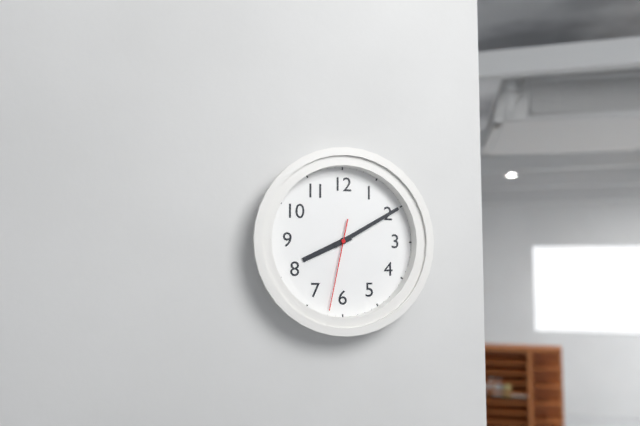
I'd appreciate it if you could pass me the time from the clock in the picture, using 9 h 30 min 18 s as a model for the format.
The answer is 8 h 10 min 32 s
